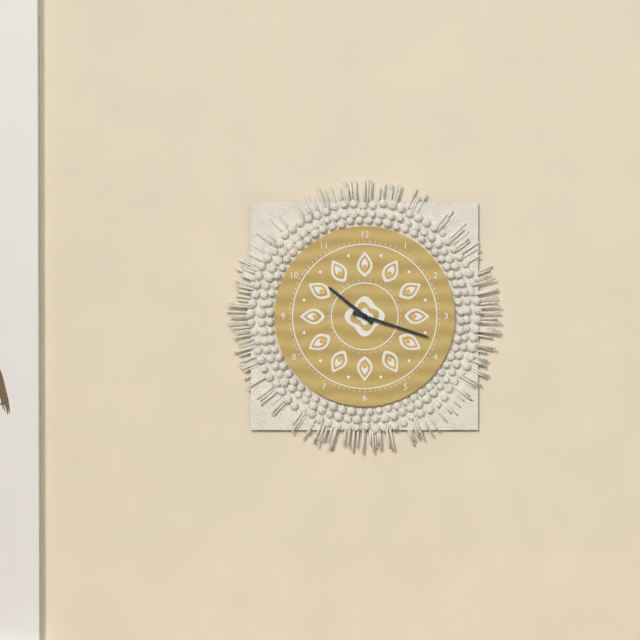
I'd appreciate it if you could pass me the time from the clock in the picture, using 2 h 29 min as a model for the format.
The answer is 10 h 18 min
